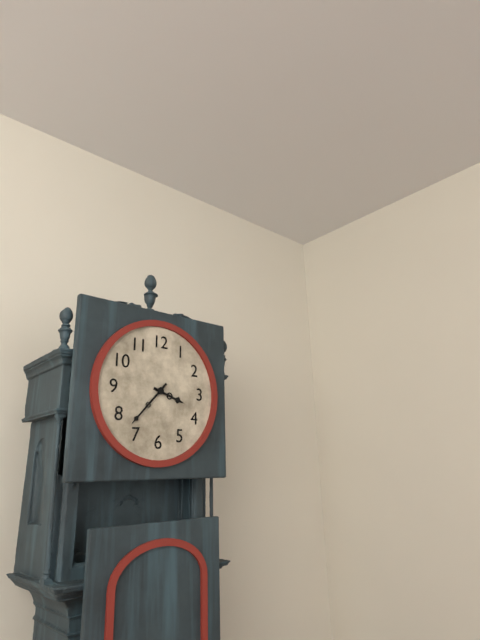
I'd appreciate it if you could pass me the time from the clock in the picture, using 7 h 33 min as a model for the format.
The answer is 3 h 37 min
